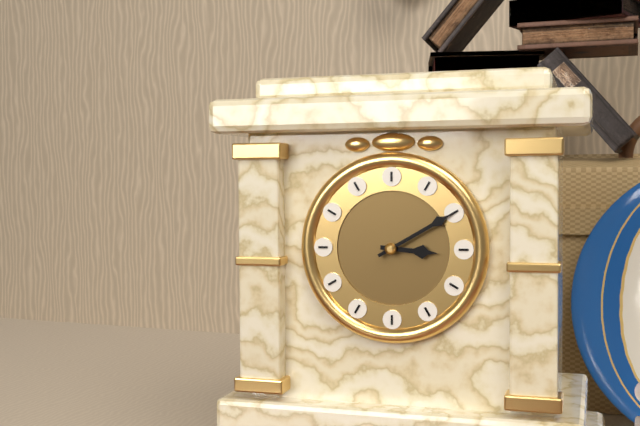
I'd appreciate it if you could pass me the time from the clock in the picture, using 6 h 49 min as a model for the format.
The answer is 3 h 10 min
